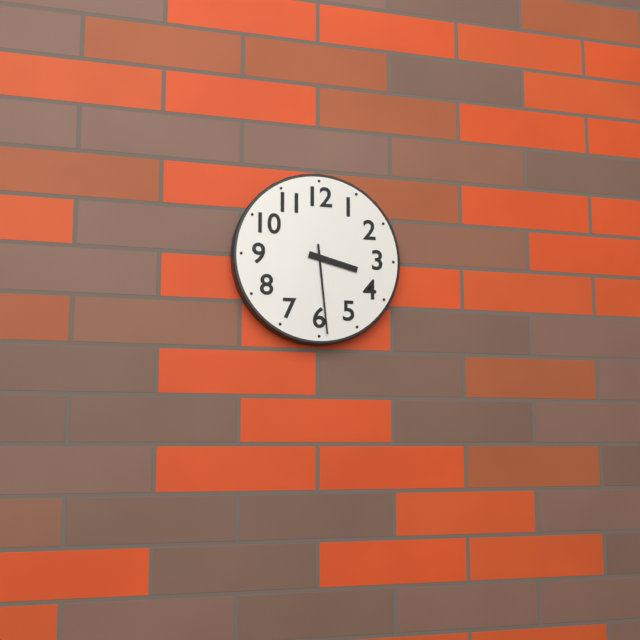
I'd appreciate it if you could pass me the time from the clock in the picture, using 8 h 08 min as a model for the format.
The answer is 3 h 29 min
